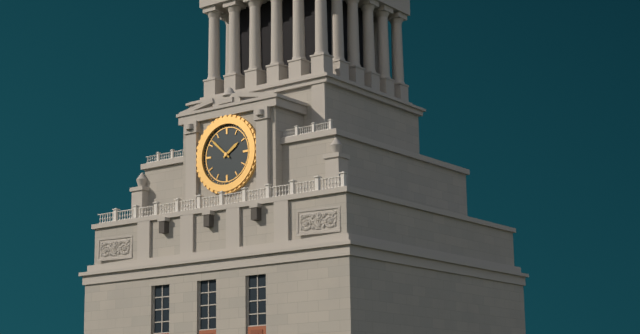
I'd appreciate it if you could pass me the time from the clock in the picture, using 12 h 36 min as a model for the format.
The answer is 1 h 52 min
